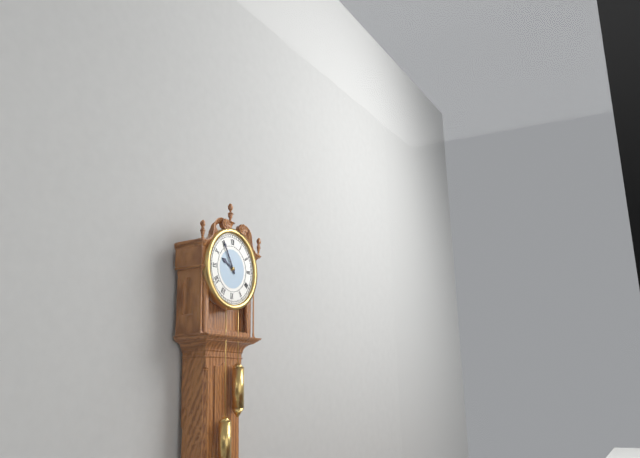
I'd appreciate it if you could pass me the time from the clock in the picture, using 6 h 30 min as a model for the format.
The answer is 9 h 55 min
